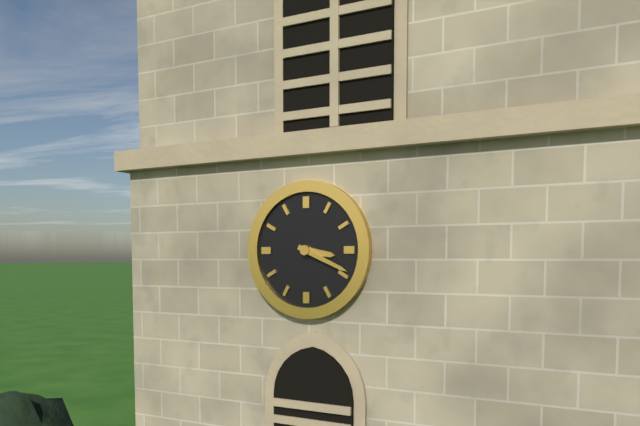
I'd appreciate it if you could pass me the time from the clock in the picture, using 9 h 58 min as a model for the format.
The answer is 3 h 19 min
